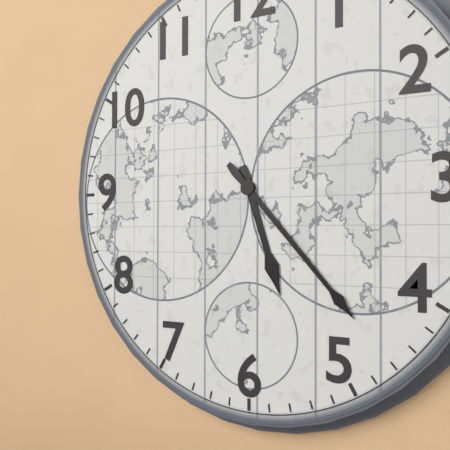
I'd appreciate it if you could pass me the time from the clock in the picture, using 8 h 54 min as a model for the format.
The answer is 5 h 23 min
